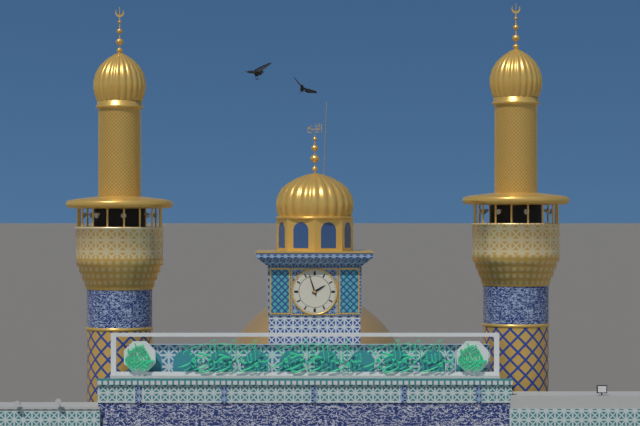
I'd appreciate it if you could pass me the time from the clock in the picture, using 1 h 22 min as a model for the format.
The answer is 1 h 57 min
